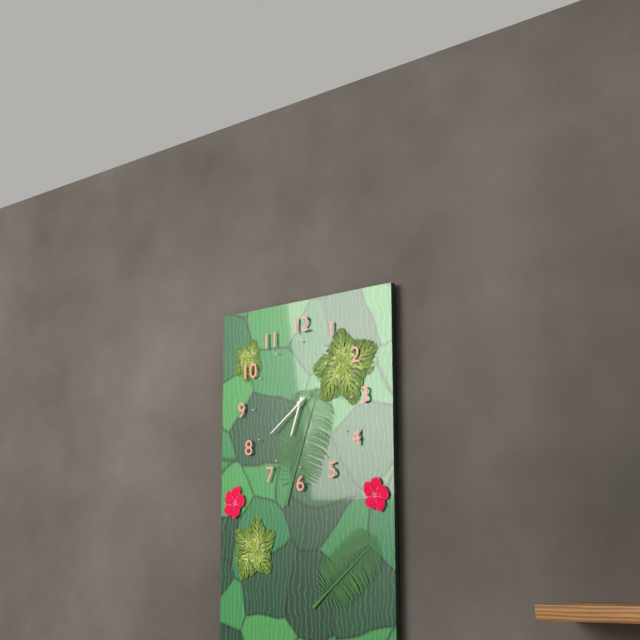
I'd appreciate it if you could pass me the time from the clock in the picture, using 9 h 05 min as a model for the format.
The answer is 6 h 39 min
